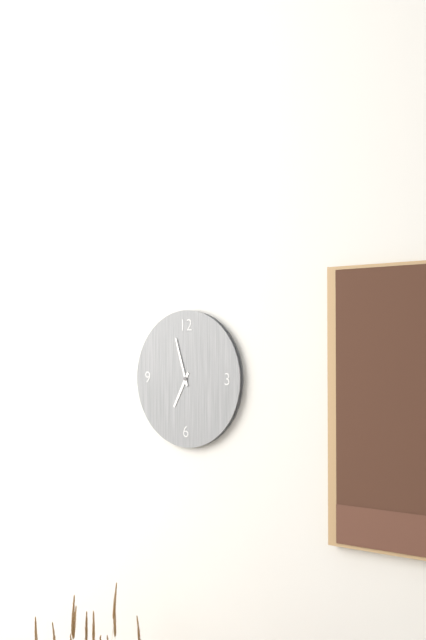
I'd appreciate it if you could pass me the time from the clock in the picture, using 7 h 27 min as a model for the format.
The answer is 6 h 57 min
